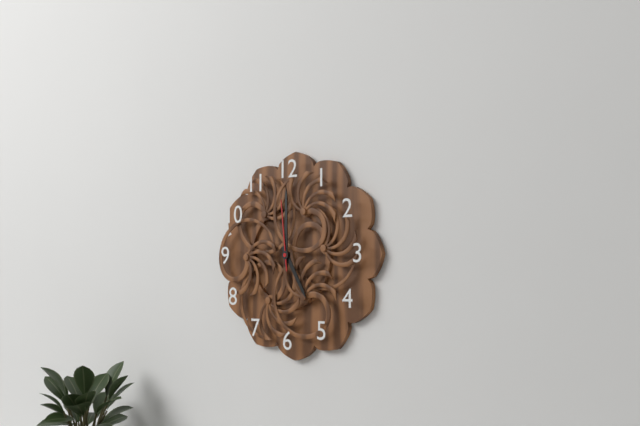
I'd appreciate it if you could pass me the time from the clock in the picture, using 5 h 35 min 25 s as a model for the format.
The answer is 5 h 00 min 59 s
